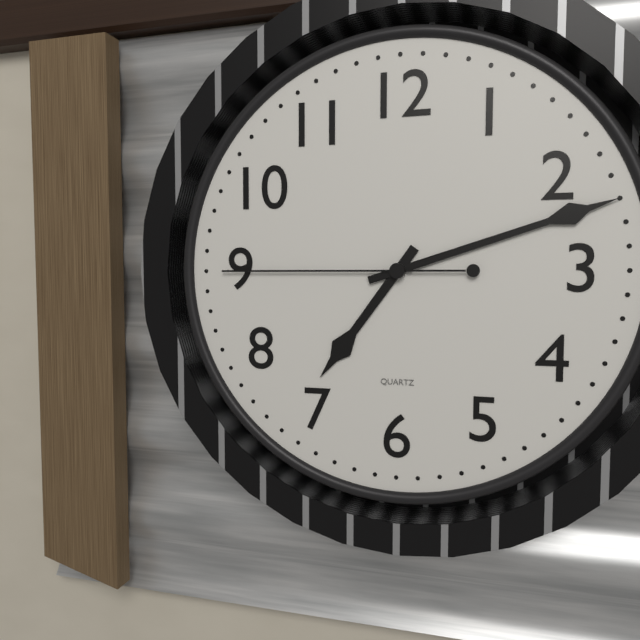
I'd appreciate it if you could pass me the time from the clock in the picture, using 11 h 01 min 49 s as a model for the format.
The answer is 7 h 12 min 45 s
